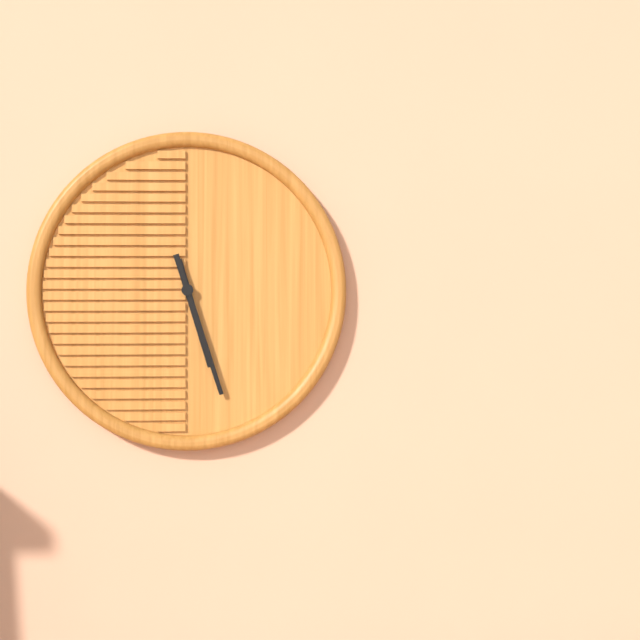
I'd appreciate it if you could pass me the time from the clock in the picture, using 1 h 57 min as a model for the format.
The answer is 5 h 27 min
